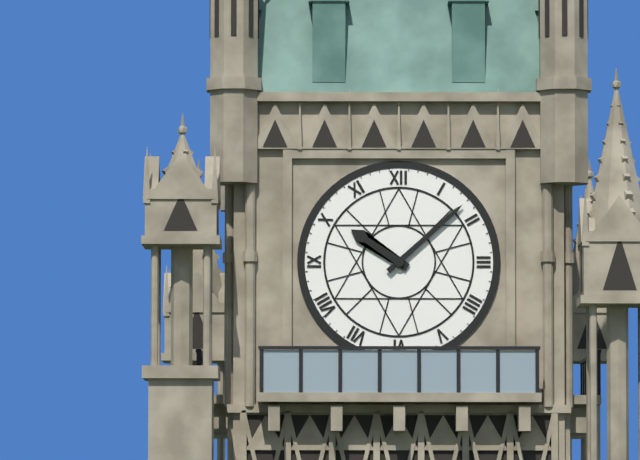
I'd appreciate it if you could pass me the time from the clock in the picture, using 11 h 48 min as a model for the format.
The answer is 10 h 08 min
